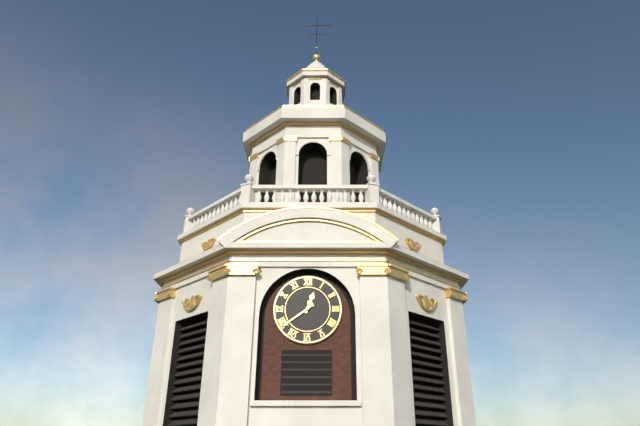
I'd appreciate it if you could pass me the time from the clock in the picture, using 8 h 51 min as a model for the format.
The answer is 12 h 39 min
